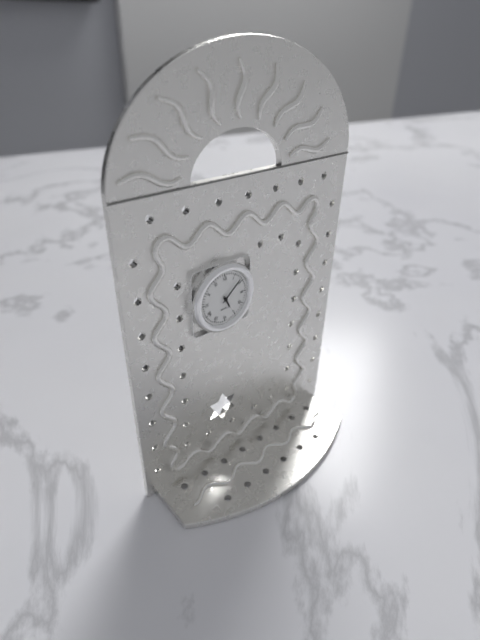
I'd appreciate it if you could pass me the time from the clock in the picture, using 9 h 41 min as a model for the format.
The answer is 5 h 08 min
